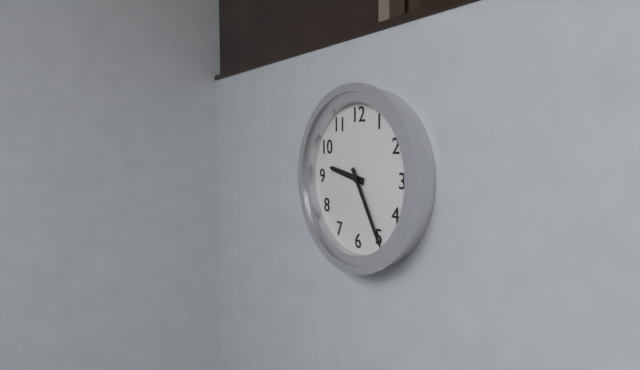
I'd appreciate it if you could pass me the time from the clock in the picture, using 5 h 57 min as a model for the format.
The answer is 9 h 25 min
